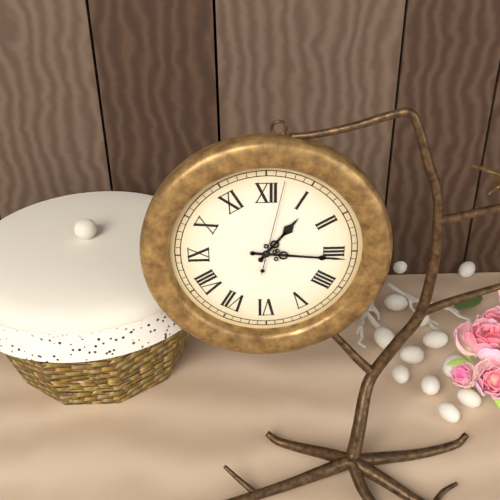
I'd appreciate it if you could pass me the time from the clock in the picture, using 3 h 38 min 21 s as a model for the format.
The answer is 1 h 16 min 02 s
